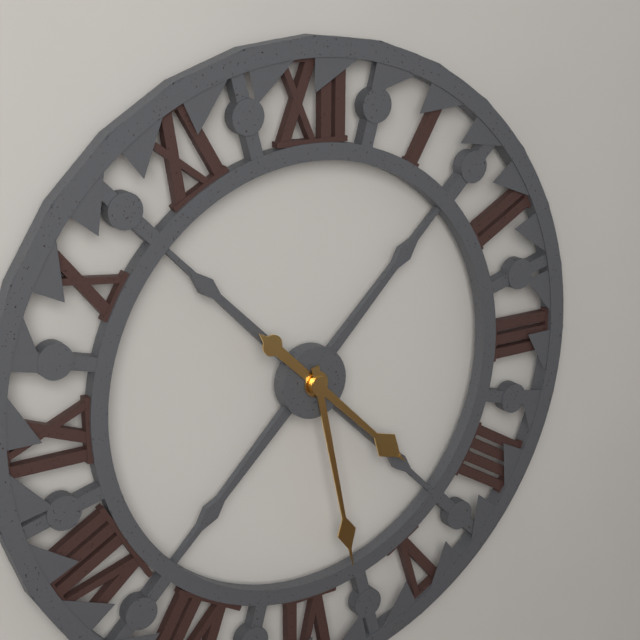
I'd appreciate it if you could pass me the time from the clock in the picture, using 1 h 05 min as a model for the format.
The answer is 4 h 28 min
